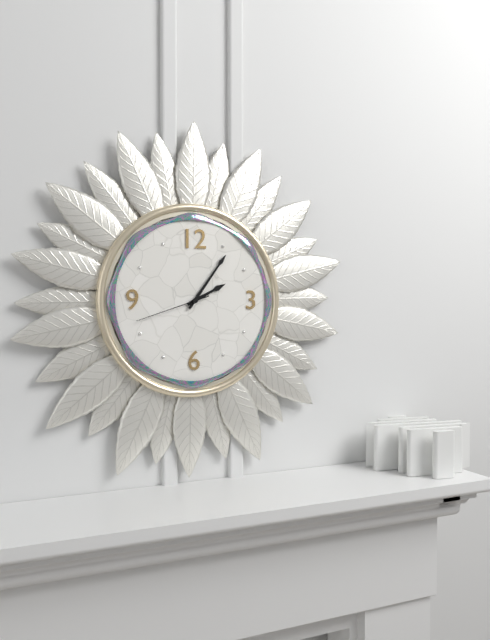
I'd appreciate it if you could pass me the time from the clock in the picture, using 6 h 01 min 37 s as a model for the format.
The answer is 2 h 06 min 42 s
